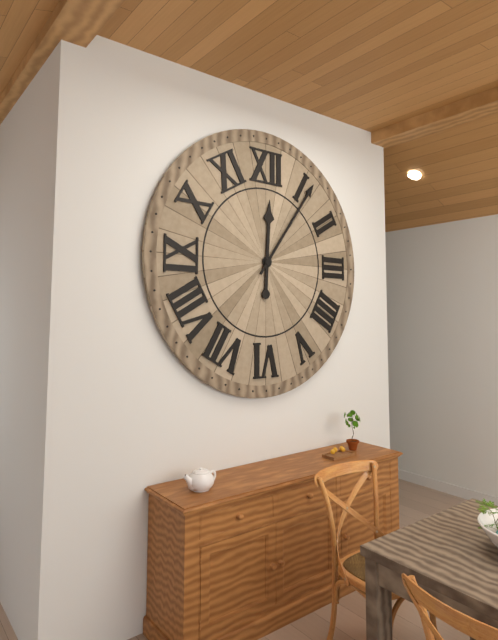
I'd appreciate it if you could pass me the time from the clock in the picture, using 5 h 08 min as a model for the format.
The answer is 12 h 06 min
